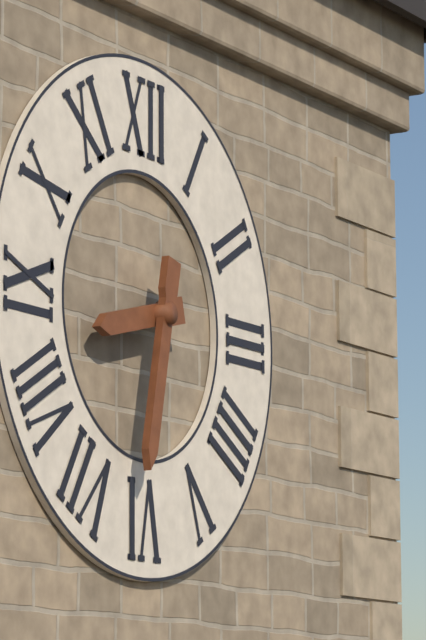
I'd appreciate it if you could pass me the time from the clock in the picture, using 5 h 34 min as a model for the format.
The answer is 8 h 32 min
